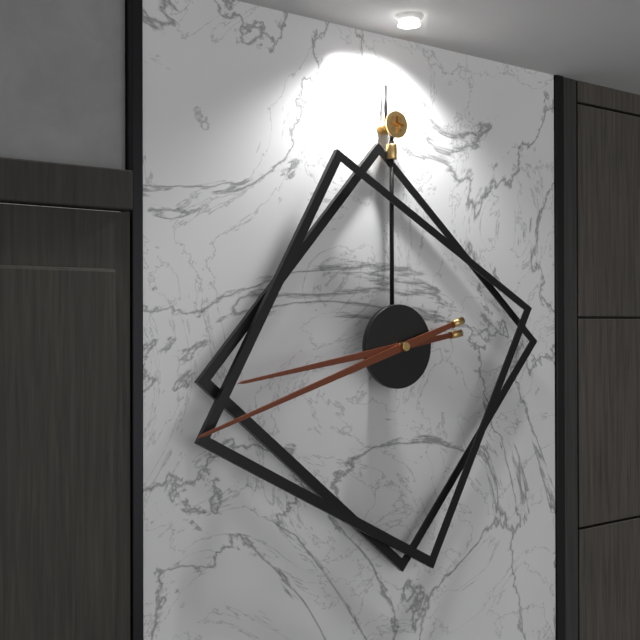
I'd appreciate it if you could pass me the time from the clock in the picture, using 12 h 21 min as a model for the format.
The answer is 8 h 42 min
